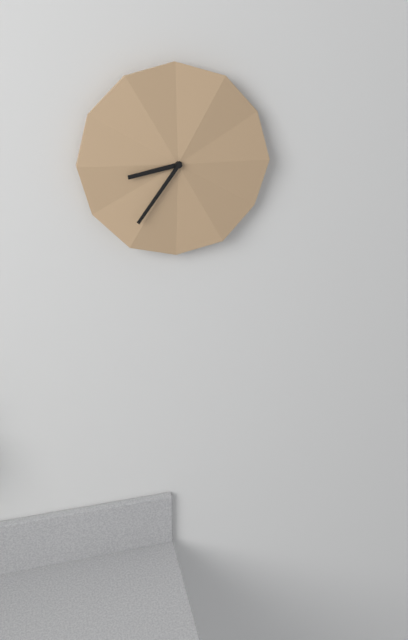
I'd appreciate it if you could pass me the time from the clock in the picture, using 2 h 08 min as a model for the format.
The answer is 8 h 36 min
